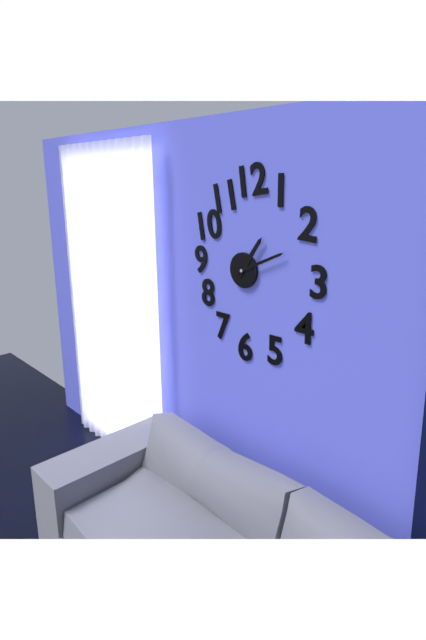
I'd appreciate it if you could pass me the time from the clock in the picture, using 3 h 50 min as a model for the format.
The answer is 1 h 11 min
